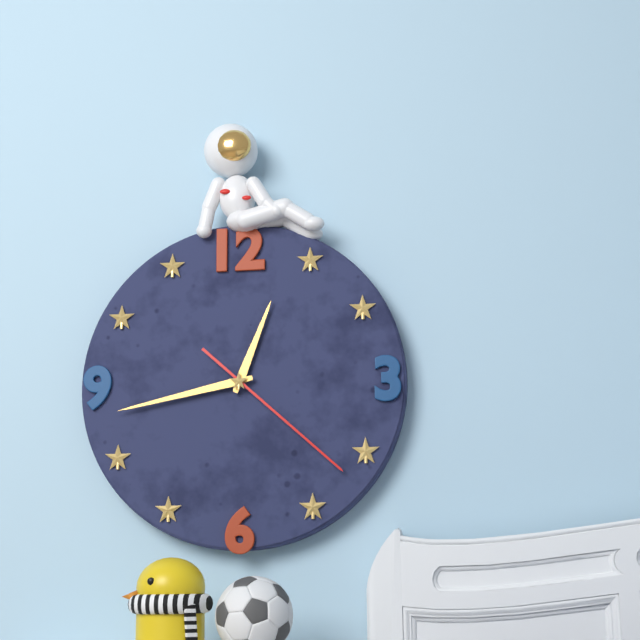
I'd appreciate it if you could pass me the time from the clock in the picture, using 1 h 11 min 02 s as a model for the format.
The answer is 12 h 43 min 22 s
